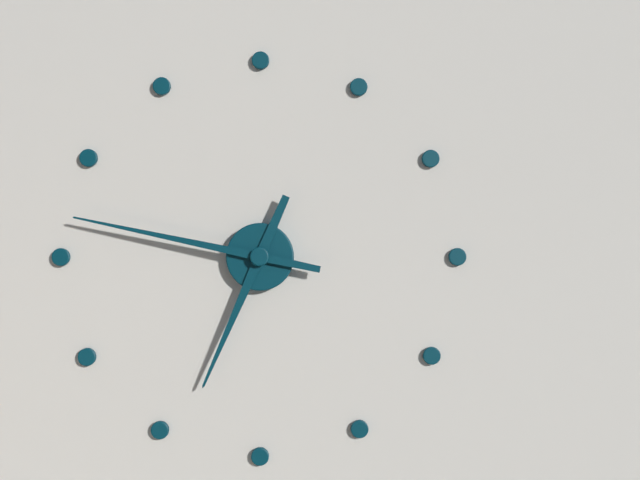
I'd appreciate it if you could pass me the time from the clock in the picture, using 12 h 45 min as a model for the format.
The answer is 6 h 47 min
